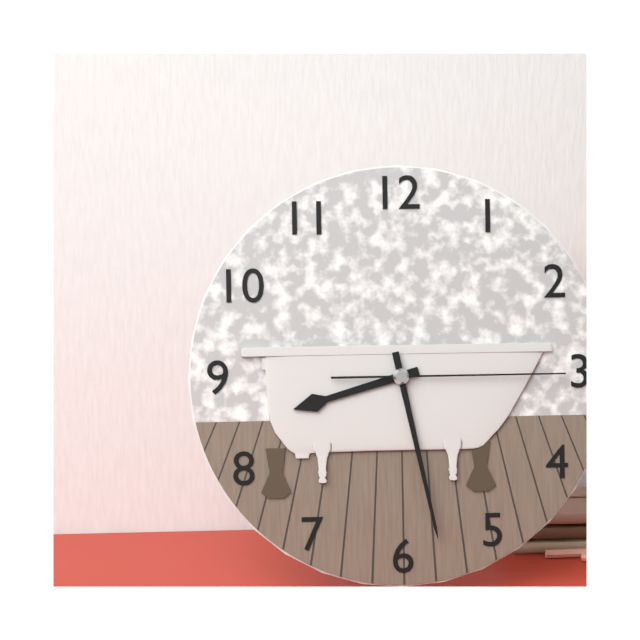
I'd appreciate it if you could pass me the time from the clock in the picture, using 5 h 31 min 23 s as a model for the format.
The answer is 8 h 28 min 15 s
